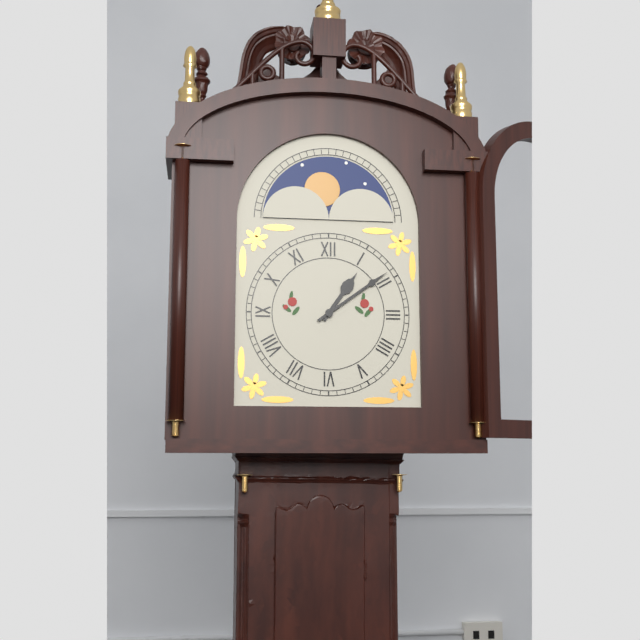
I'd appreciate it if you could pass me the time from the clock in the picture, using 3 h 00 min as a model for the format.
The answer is 1 h 09 min
